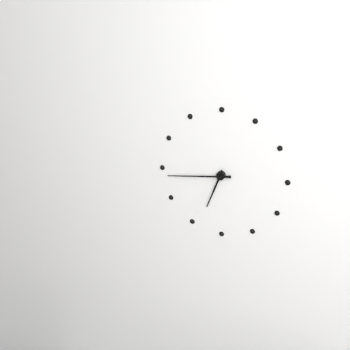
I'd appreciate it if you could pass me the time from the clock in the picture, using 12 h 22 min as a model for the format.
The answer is 6 h 44 min
